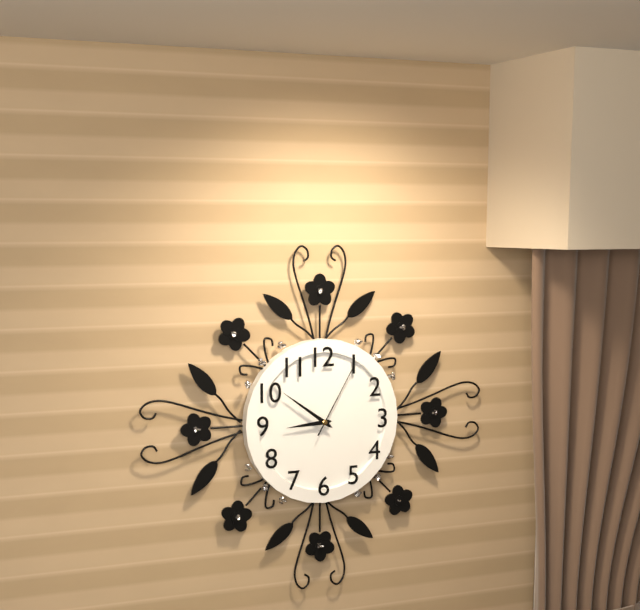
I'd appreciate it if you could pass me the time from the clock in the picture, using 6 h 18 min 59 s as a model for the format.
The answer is 8 h 51 min 05 s
